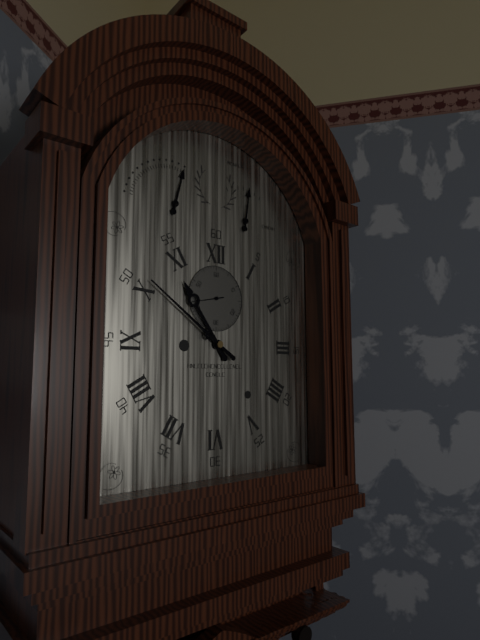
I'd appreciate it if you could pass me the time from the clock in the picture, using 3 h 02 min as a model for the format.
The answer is 10 h 51 min
